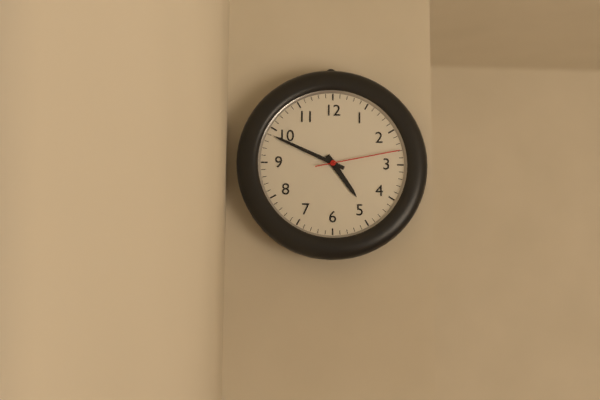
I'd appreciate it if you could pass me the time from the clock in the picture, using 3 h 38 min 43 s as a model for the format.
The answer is 4 h 49 min 13 s
